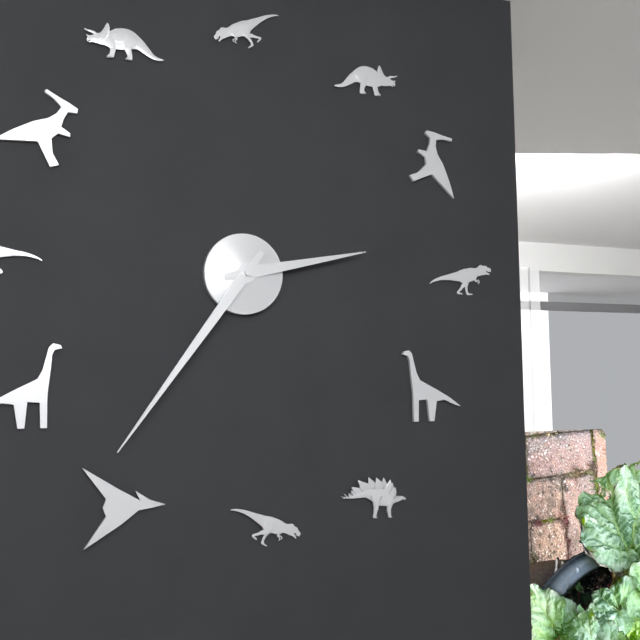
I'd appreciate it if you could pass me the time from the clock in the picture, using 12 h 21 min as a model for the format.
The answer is 2 h 36 min
